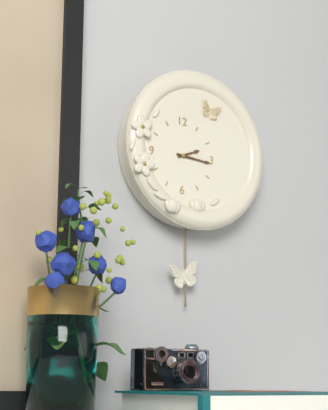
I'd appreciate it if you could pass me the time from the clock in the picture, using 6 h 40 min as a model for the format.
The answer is 2 h 16 min
